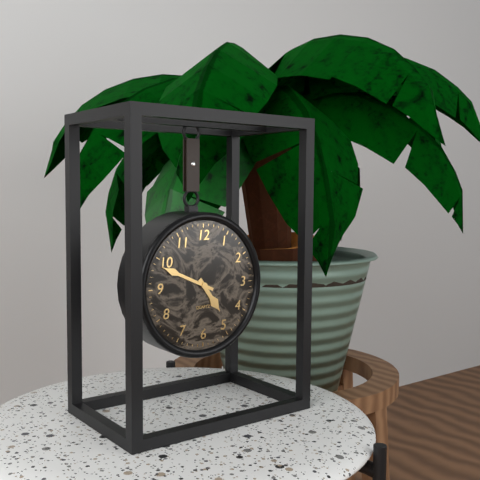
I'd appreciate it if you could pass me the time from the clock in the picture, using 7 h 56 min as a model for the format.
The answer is 4 h 49 min
